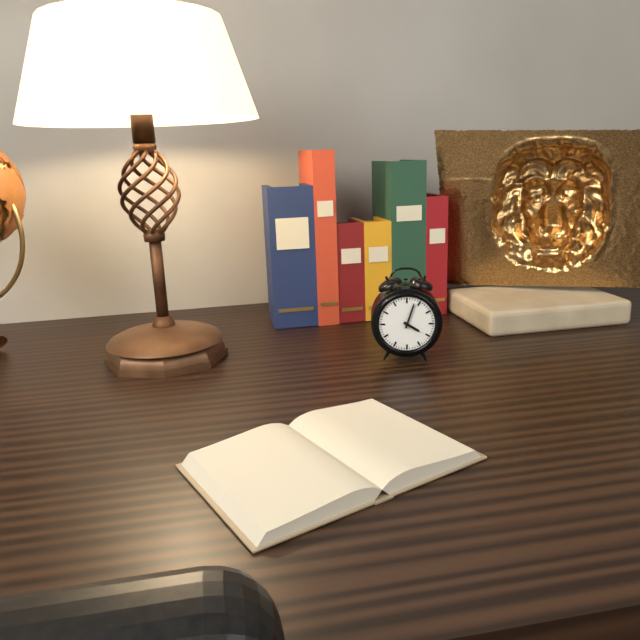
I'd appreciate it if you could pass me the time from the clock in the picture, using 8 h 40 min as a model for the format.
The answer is 4 h 03 min
